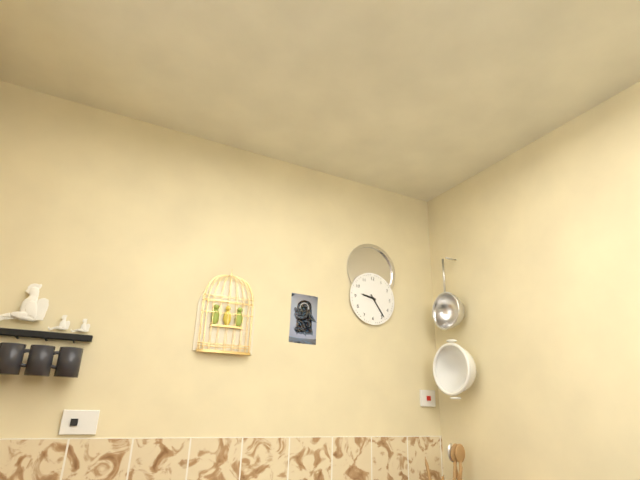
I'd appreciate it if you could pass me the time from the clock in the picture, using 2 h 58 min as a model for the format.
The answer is 9 h 24 min
